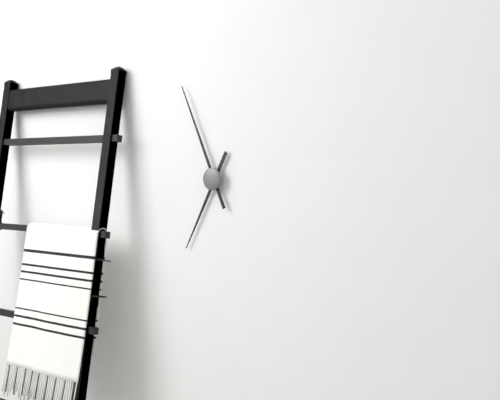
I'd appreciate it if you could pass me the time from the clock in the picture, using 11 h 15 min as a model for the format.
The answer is 6 h 56 min
